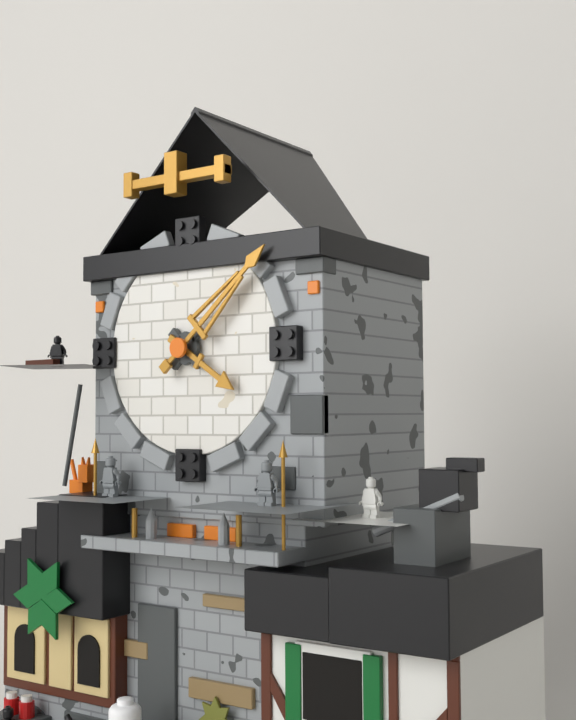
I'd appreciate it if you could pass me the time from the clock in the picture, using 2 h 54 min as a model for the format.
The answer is 4 h 08 min
